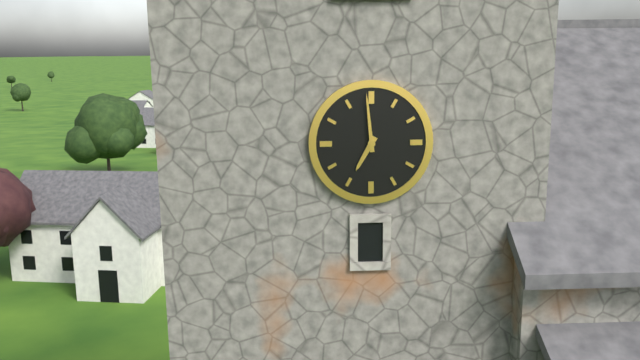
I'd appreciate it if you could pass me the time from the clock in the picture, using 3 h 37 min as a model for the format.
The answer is 6 h 59 min
